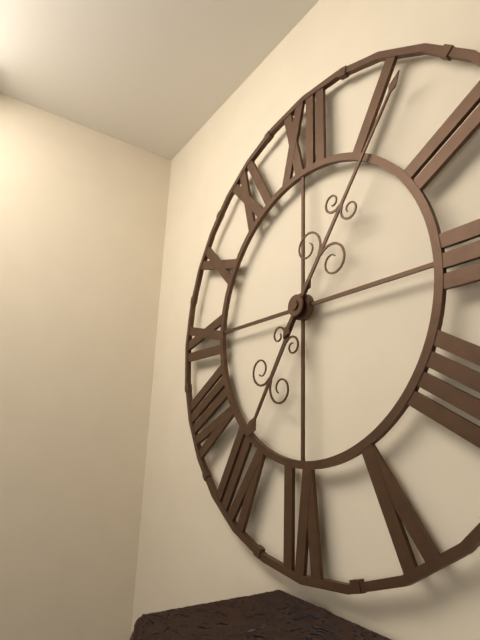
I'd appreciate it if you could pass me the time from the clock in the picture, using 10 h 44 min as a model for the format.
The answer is 7 h 06 min
